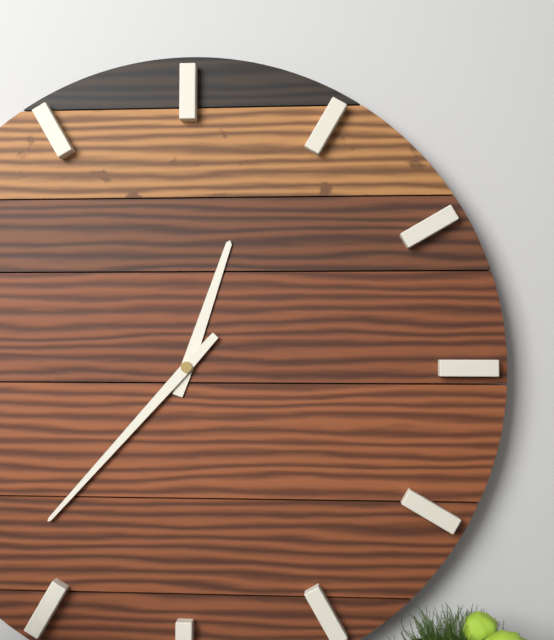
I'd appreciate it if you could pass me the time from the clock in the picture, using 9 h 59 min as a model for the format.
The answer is 12 h 37 min
